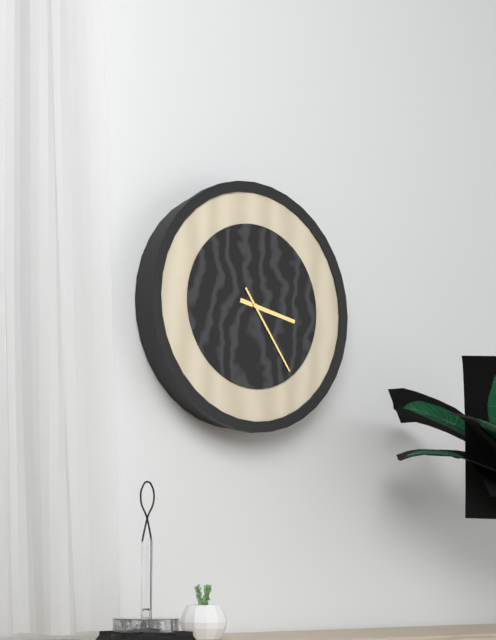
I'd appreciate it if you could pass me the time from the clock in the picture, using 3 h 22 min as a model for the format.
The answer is 3 h 24 min
